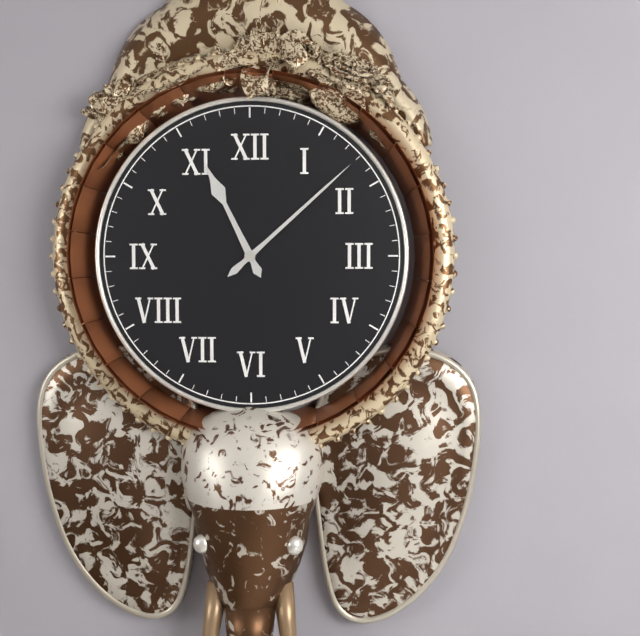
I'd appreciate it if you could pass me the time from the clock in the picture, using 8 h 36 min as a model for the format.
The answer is 11 h 08 min
